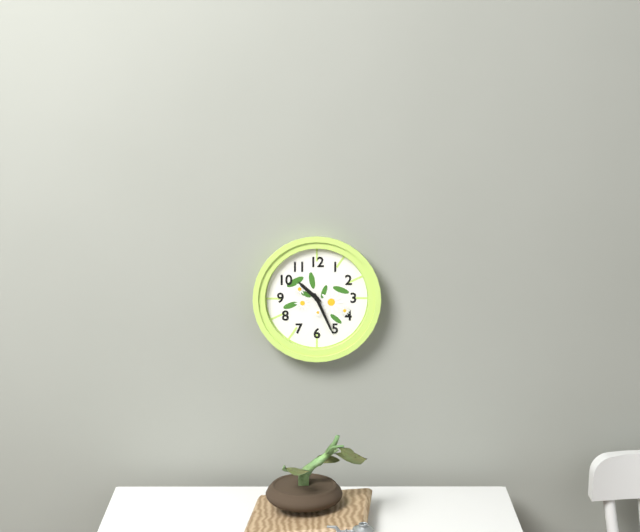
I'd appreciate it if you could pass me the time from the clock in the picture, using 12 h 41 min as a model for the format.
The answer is 10 h 26 min
